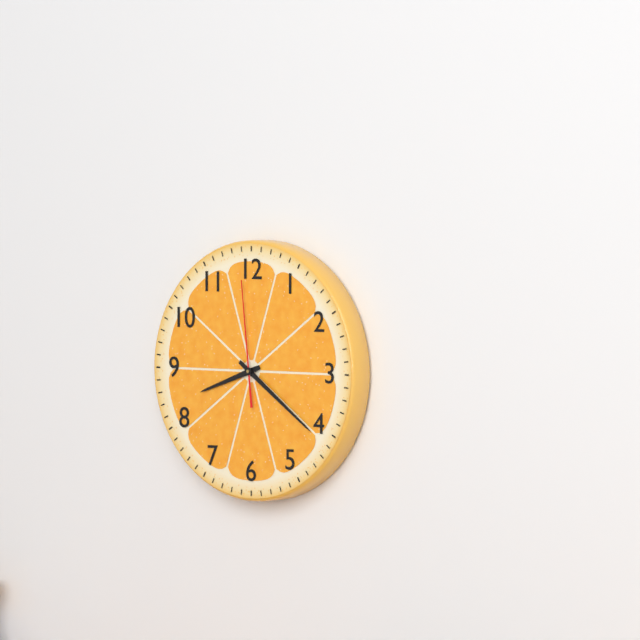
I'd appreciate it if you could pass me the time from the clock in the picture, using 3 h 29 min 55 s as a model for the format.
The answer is 8 h 21 min 59 s
